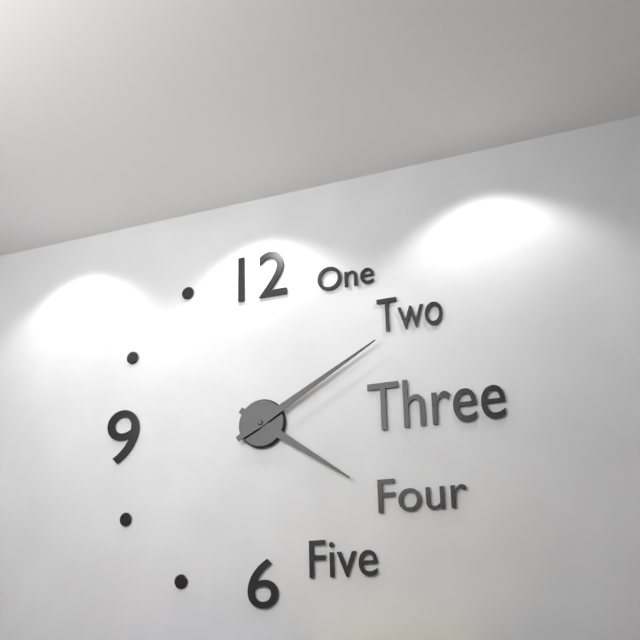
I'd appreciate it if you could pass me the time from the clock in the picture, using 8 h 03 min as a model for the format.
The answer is 4 h 10 min
